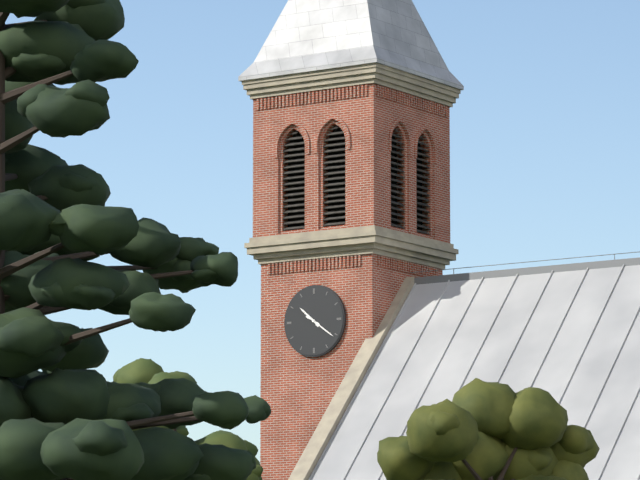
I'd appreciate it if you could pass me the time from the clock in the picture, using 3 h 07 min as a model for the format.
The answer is 10 h 21 min
